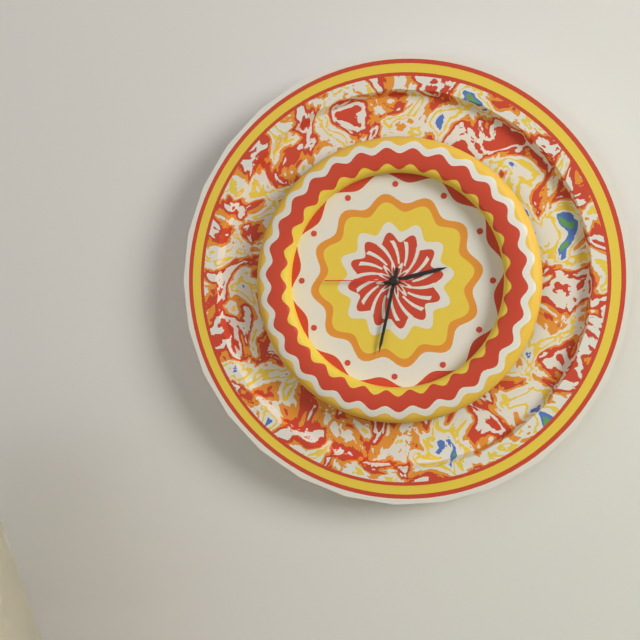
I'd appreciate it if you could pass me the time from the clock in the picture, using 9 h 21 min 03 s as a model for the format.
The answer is 2 h 32 min 45 s
